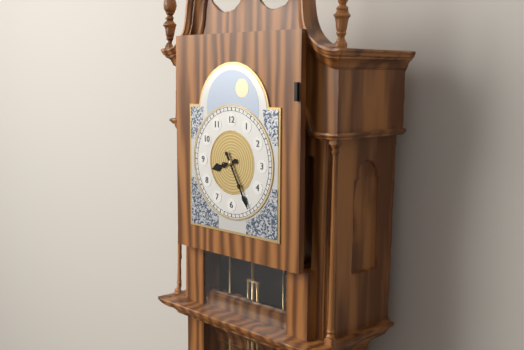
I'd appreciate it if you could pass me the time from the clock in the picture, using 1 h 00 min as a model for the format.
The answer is 8 h 25 min
